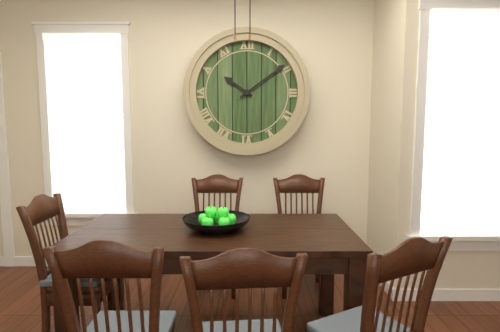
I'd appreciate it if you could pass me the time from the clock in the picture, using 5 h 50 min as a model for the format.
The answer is 10 h 09 min
